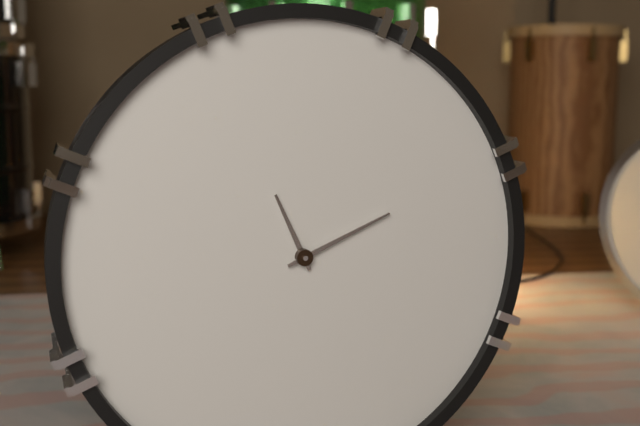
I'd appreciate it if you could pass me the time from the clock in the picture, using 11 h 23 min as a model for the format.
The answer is 11 h 11 min
